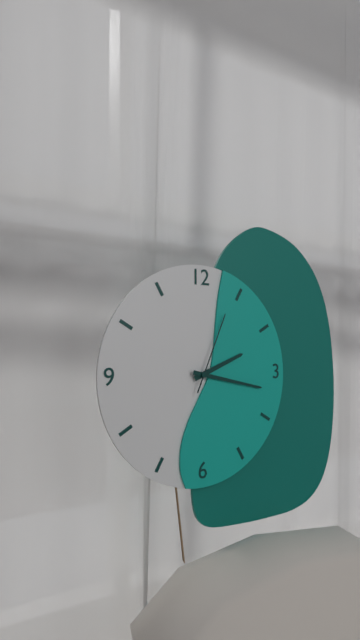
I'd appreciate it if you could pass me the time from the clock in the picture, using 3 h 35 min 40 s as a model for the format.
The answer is 2 h 17 min 04 s
